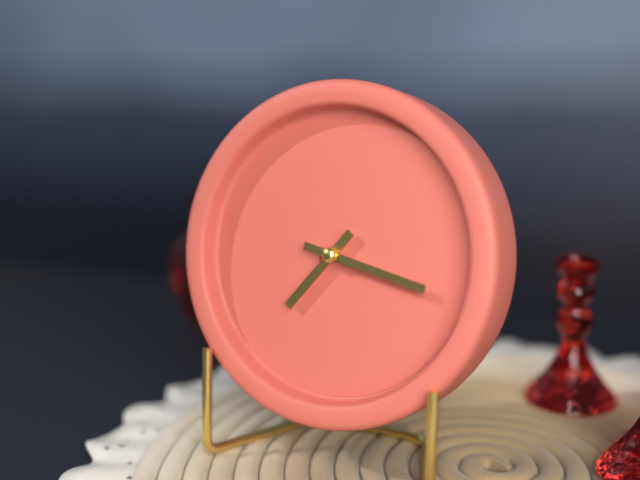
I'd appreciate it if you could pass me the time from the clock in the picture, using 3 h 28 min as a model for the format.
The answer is 7 h 17 min
